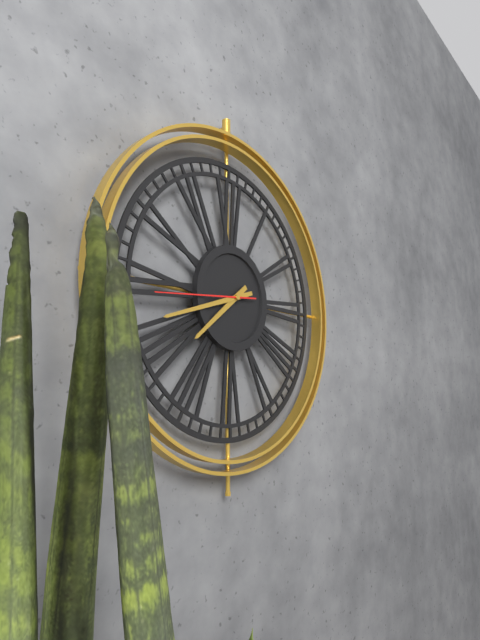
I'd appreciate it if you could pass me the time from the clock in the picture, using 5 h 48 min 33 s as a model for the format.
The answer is 7 h 42 min 44 s
